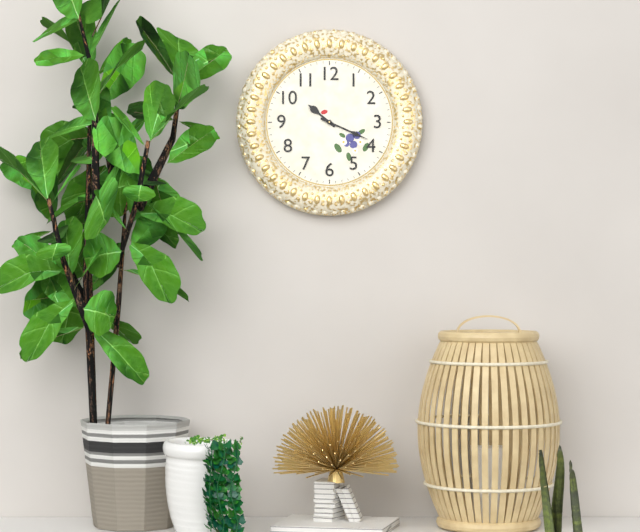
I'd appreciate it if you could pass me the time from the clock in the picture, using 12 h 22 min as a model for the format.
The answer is 10 h 19 min
